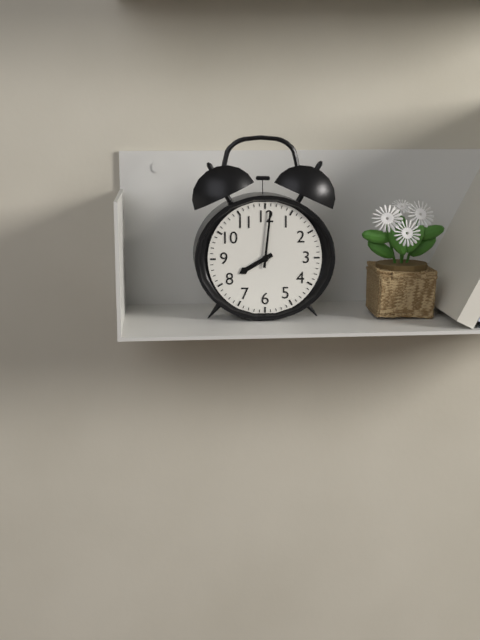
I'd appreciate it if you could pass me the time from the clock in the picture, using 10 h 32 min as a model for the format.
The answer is 8 h 01 min
